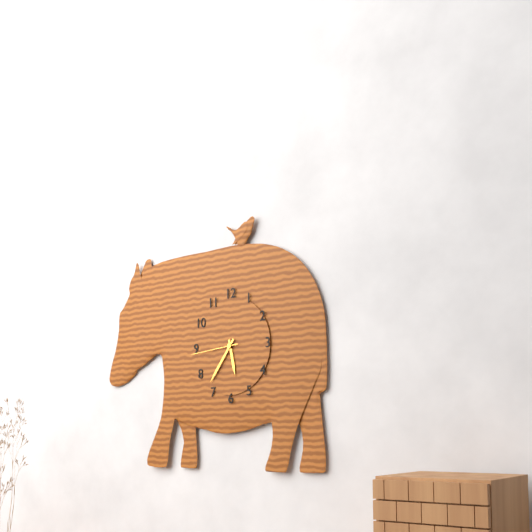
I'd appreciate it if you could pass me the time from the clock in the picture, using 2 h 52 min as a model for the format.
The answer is 5 h 36 min
